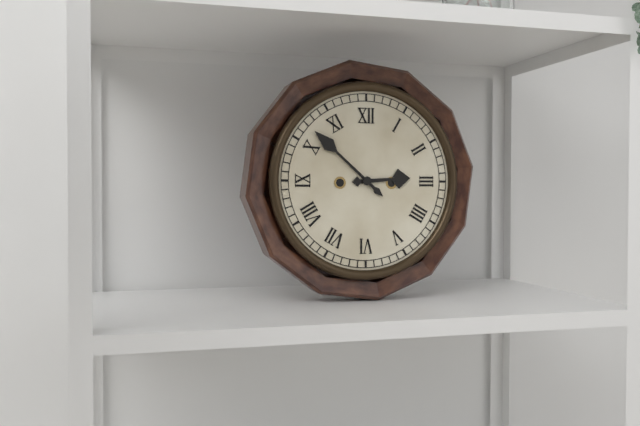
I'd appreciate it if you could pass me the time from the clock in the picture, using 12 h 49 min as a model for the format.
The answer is 2 h 52 min
